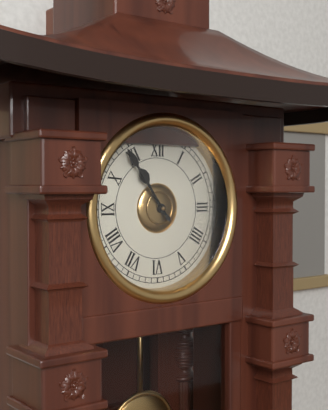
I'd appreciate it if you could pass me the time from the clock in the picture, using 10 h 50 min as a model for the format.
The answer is 10 h 54 min
